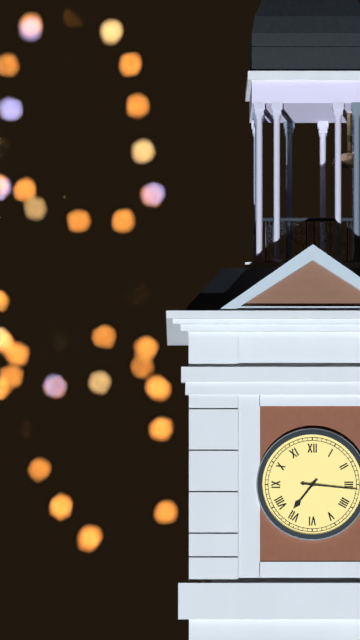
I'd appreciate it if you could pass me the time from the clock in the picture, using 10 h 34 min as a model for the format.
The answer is 7 h 16 min
